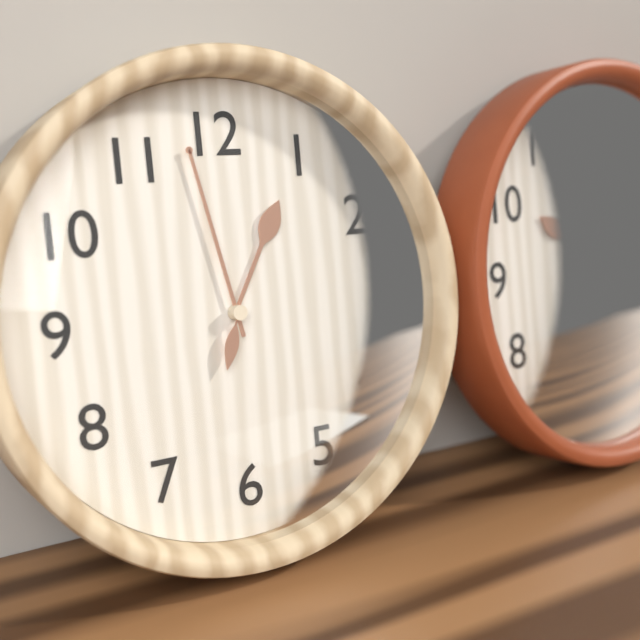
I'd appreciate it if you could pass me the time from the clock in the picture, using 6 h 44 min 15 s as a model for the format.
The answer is 12 h 58 min 33 s
